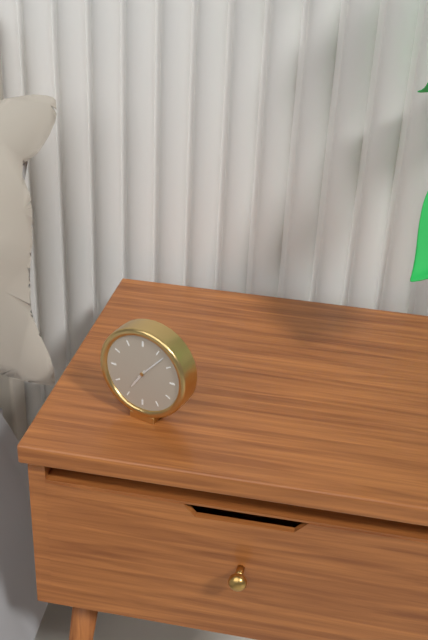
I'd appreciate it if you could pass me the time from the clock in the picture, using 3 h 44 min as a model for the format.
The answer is 7 h 07 min
